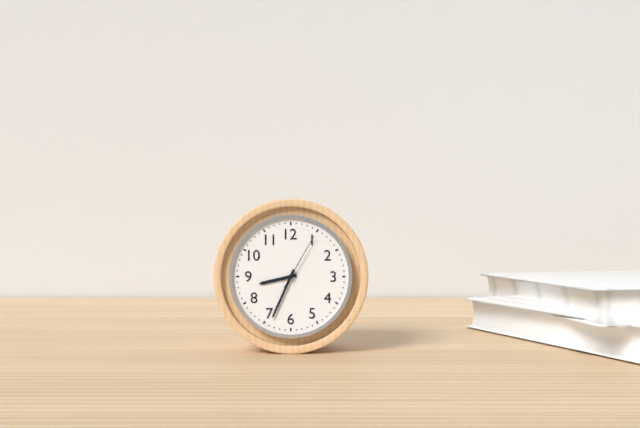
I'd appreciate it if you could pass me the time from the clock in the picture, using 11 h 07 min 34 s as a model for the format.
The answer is 8 h 34 min 05 s
